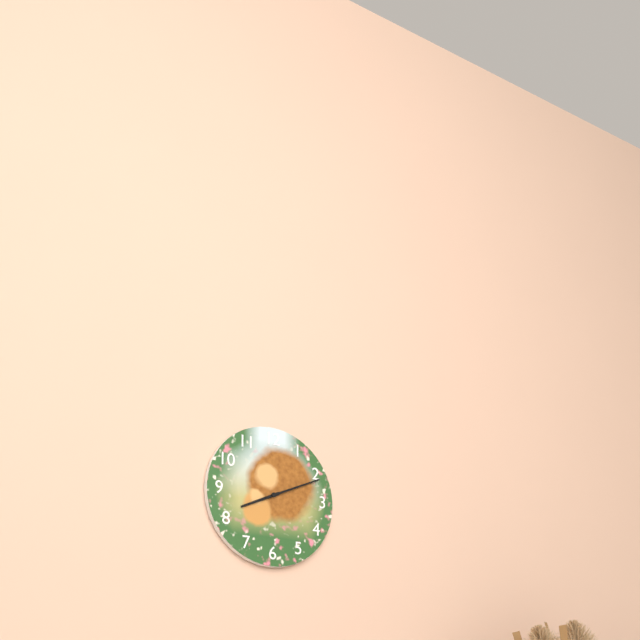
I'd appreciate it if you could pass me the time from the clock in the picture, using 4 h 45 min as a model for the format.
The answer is 8 h 11 min
